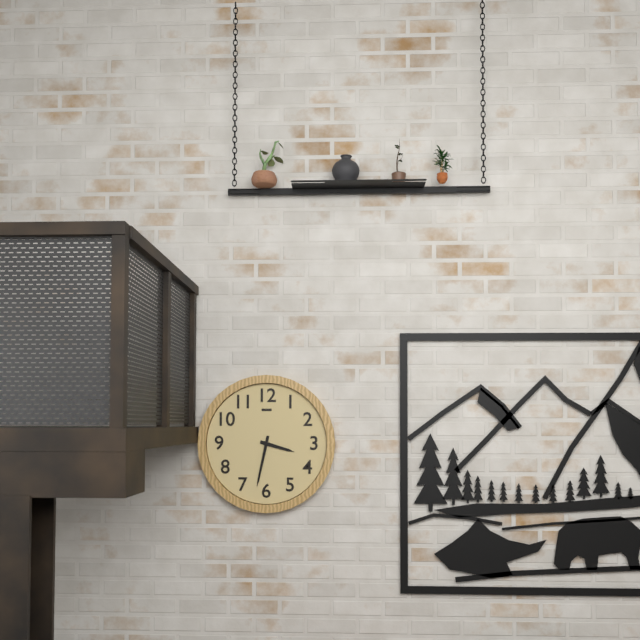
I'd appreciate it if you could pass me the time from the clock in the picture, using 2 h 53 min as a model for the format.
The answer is 3 h 32 min
